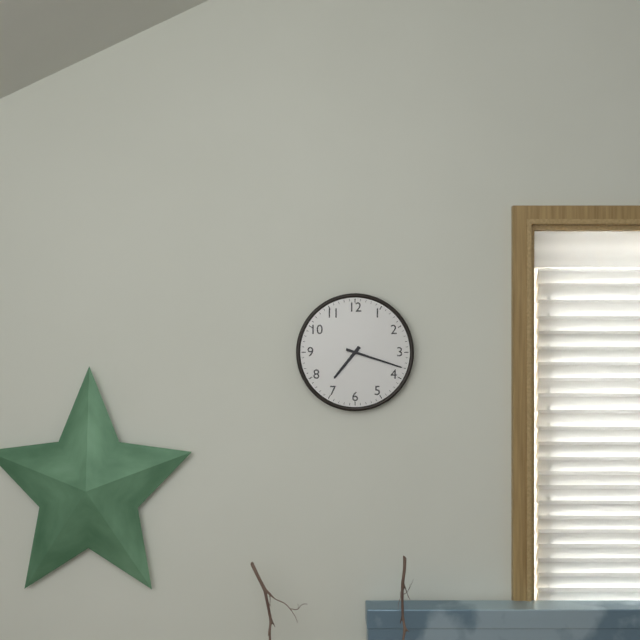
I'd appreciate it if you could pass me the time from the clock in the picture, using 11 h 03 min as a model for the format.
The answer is 7 h 18 min
